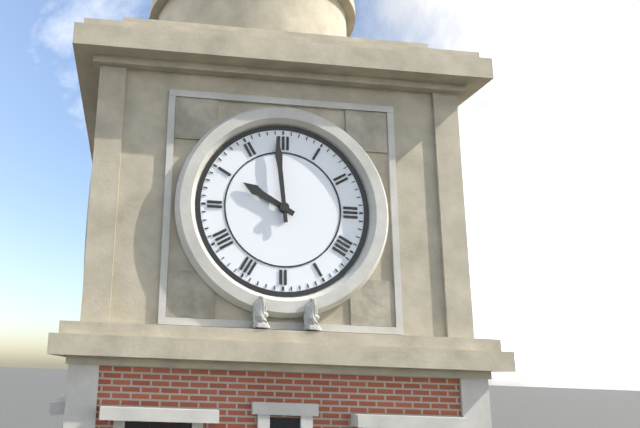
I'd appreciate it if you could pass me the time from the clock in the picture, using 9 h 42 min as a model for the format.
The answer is 9 h 59 min
